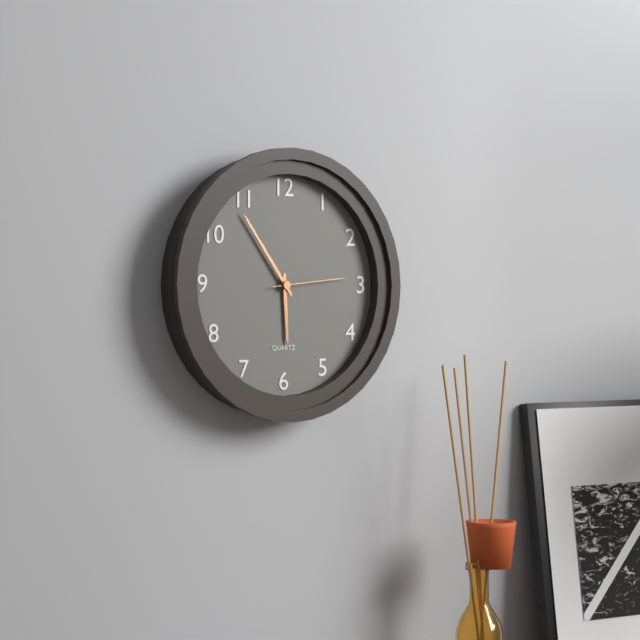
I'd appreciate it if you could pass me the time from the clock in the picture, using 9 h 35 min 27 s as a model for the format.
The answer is 5 h 54 min 14 s
